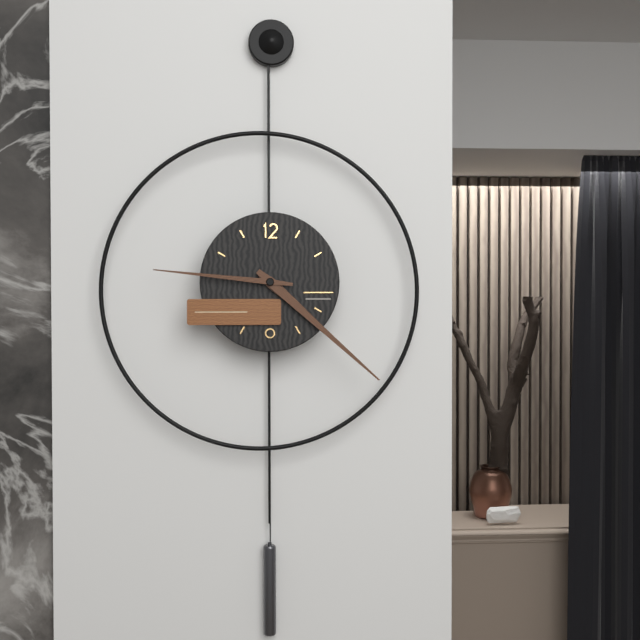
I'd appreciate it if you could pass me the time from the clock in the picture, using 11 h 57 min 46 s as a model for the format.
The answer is 4 h 22 min 46 s
